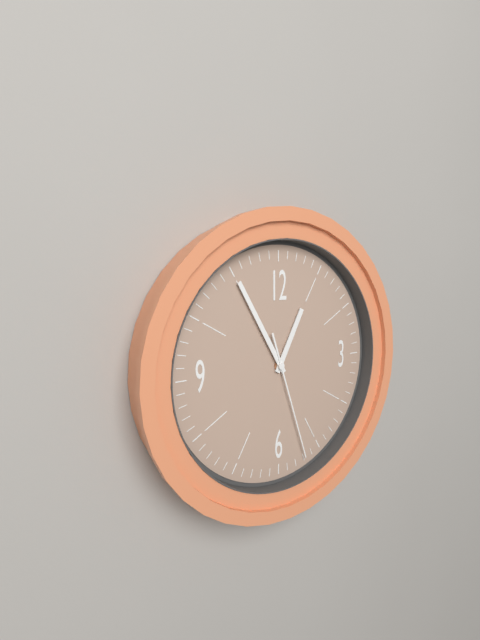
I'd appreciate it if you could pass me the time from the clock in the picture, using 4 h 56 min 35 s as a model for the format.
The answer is 12 h 55 min 27 s
